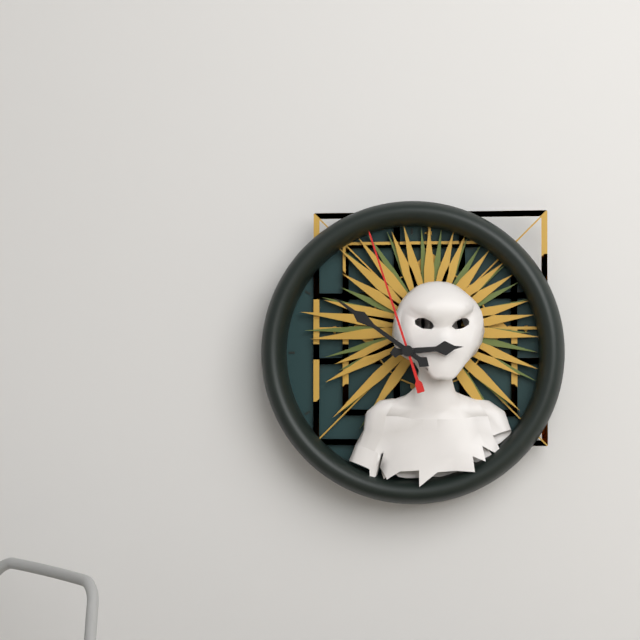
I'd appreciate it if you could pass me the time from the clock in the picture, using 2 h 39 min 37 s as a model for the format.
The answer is 2 h 51 min 57 s
